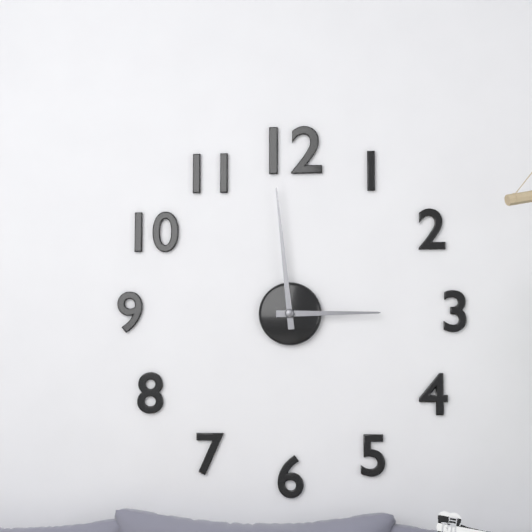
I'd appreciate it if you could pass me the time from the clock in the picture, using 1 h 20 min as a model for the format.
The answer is 2 h 59 min
